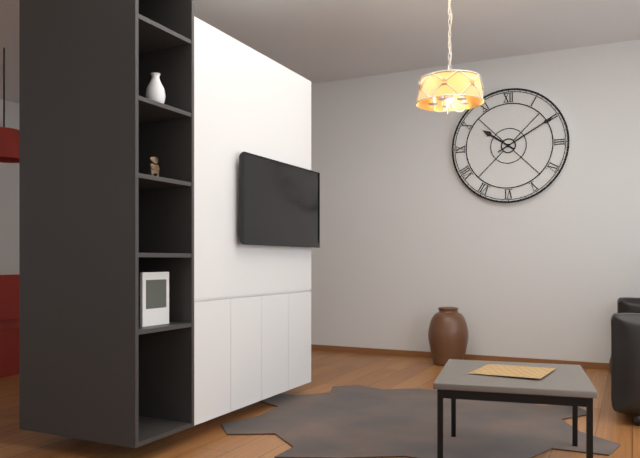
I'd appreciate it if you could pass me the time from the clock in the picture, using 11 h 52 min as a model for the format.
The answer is 10 h 10 min
